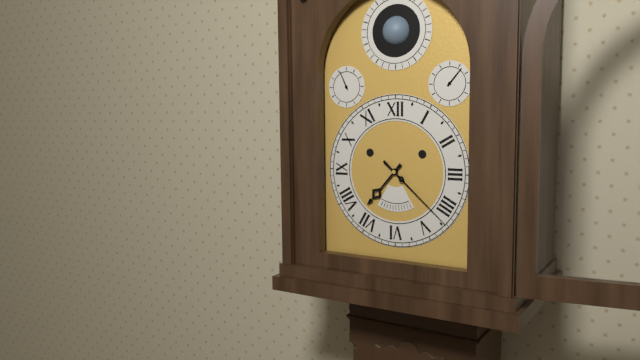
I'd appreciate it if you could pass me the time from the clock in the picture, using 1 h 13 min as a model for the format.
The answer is 7 h 22 min
